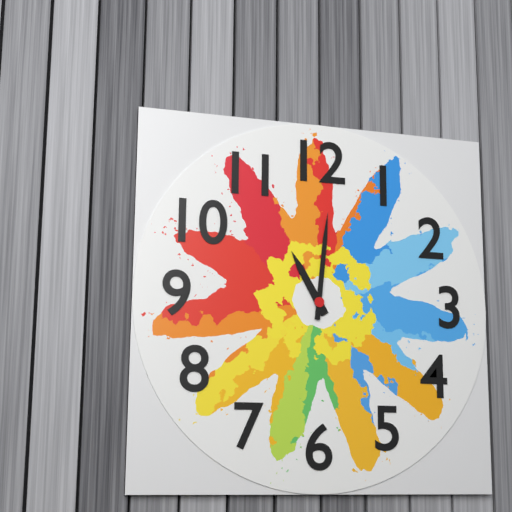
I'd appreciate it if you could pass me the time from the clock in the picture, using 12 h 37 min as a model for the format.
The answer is 11 h 01 min
